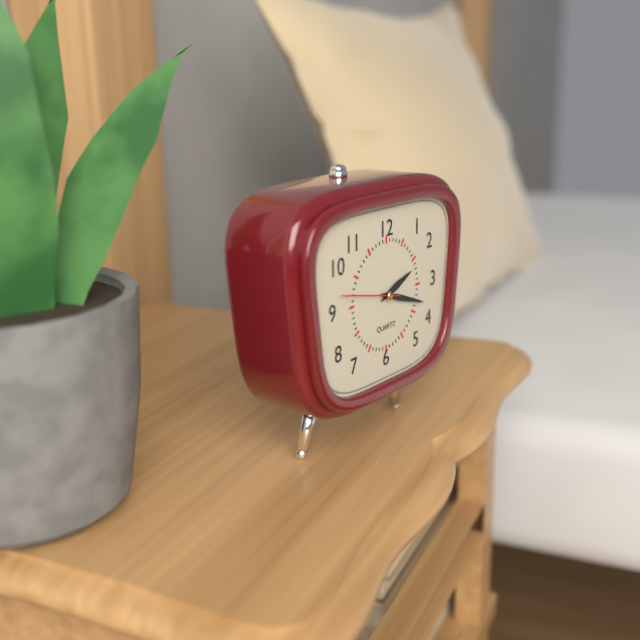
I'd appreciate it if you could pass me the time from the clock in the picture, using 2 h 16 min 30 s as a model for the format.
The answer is 2 h 18 min 47 s
